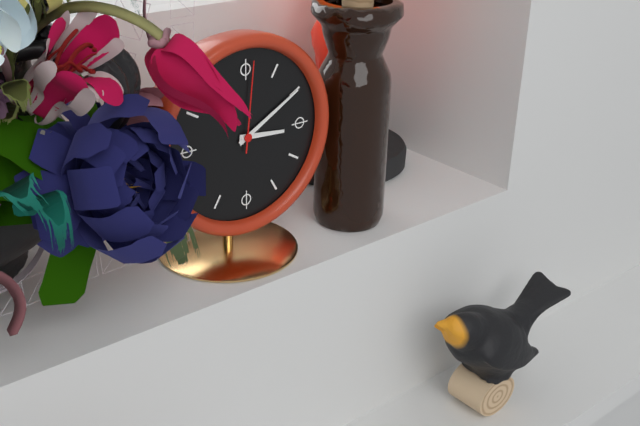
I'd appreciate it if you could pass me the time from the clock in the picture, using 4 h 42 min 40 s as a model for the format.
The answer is 3 h 10 min 01 s
